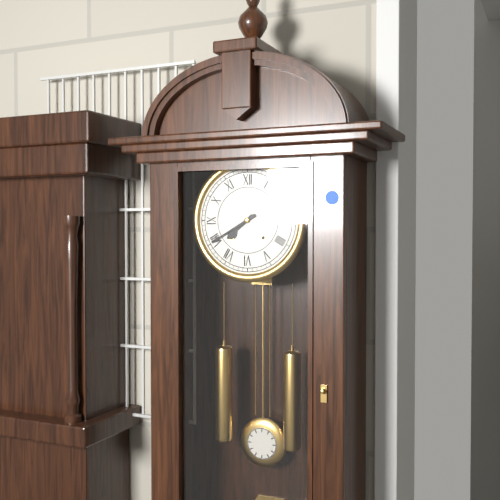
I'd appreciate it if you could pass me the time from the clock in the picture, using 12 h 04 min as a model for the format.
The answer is 7 h 40 min
